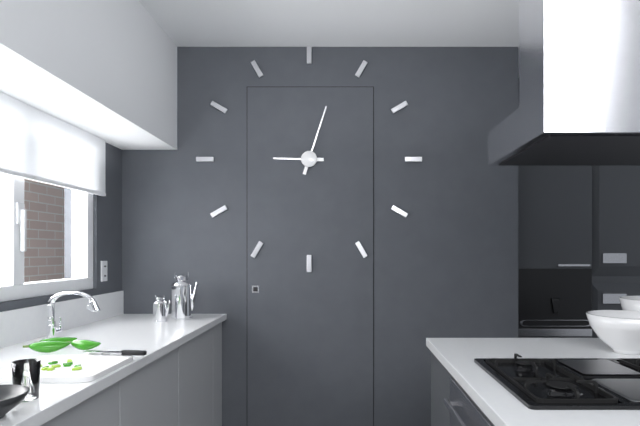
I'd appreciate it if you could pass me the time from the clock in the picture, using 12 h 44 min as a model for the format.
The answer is 9 h 03 min
